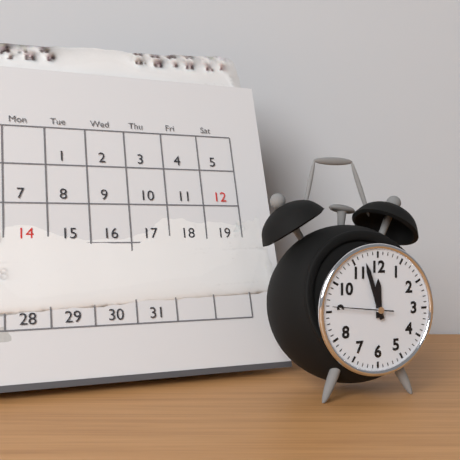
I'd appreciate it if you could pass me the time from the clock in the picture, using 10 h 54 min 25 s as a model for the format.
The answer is 11 h 57 min 46 s
